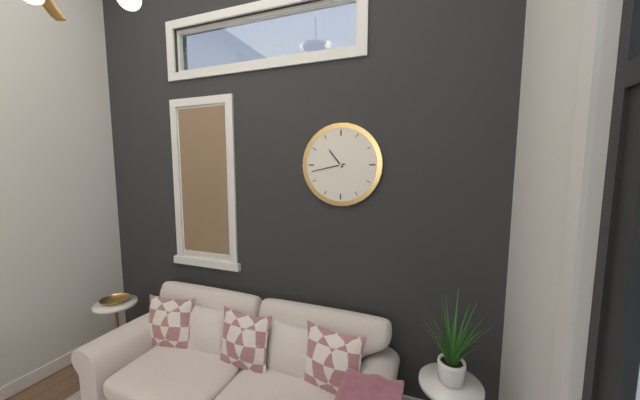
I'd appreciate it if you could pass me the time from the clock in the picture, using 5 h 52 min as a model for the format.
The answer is 10 h 43 min
